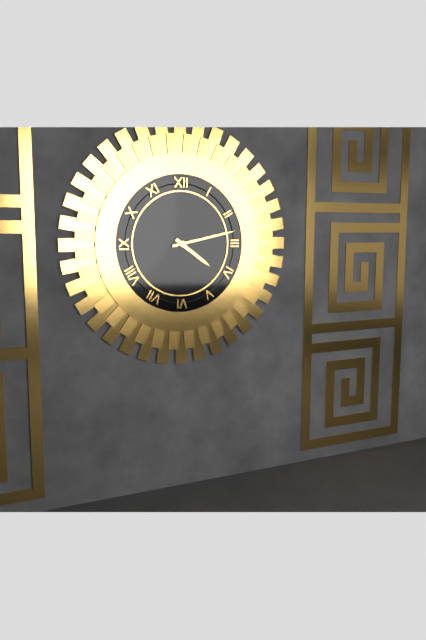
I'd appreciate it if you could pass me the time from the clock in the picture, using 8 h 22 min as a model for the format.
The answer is 4 h 13 min
